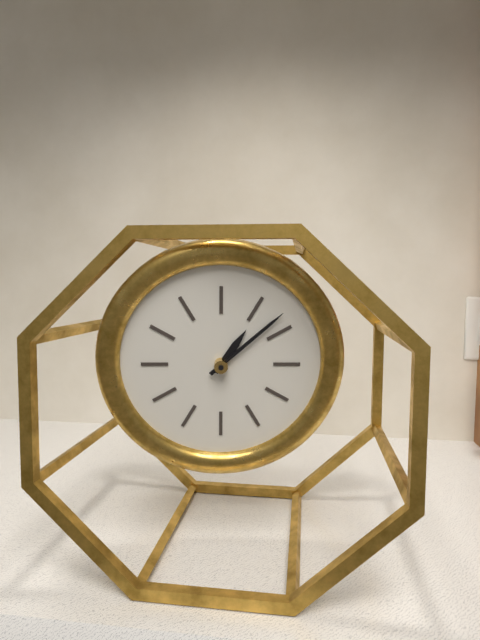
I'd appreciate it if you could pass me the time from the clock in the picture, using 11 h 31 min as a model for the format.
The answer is 1 h 08 min
